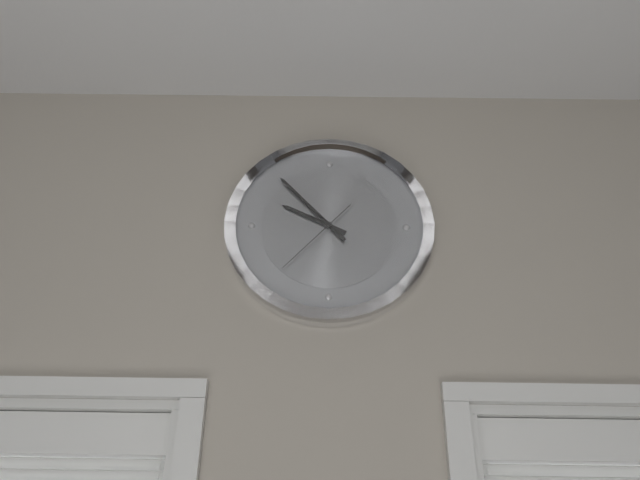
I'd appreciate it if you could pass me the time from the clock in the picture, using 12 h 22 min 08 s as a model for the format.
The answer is 9 h 53 min 37 s
